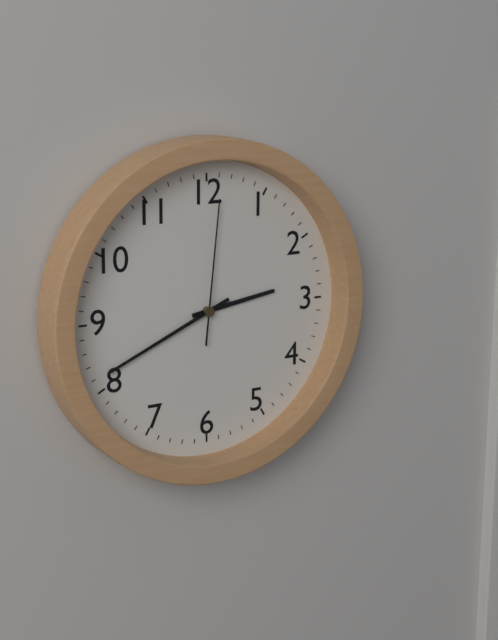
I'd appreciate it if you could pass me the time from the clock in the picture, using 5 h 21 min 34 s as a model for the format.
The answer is 2 h 41 min 01 s
